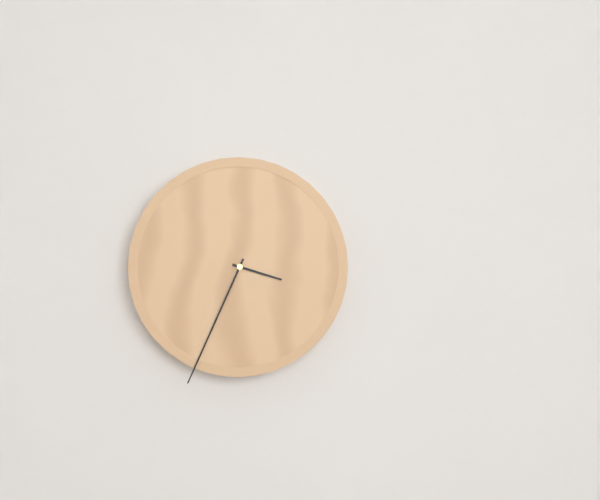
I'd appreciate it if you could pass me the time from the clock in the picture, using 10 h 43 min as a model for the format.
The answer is 3 h 34 min
